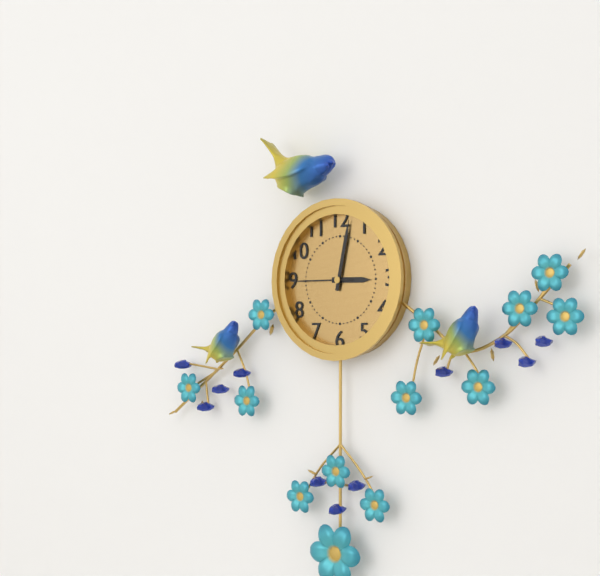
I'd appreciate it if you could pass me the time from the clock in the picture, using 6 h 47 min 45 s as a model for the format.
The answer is 3 h 02 min 45 s
